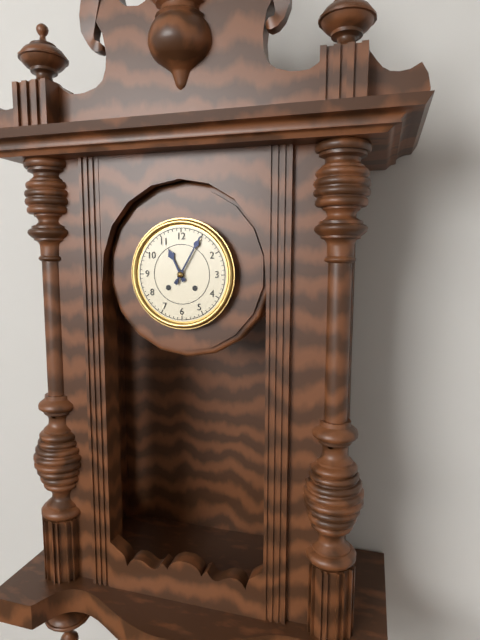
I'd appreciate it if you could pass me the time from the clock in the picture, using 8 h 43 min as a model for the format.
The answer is 11 h 05 min
